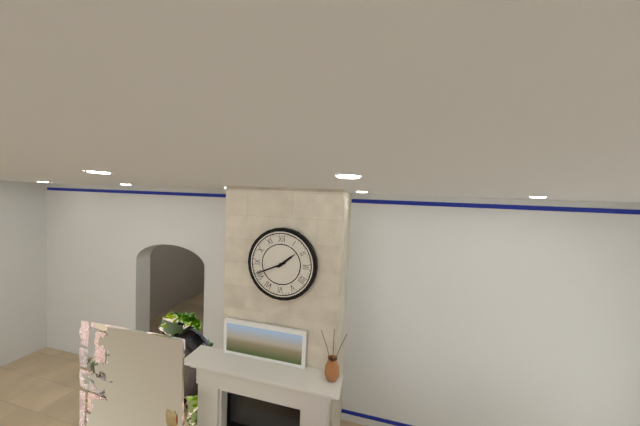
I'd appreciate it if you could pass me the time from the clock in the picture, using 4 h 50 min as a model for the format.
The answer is 1 h 41 min
